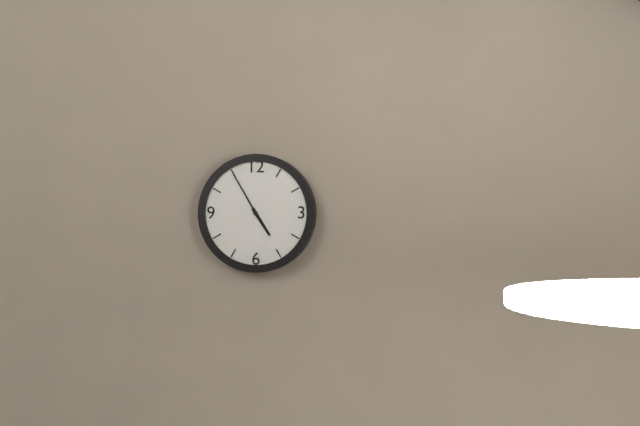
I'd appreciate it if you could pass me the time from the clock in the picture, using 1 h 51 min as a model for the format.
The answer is 4 h 55 min
